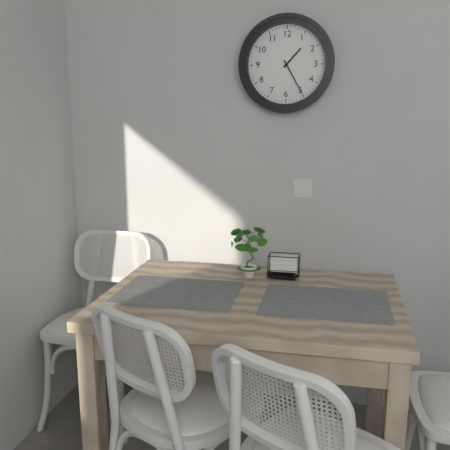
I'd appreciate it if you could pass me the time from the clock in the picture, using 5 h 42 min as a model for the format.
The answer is 1 h 25 min
